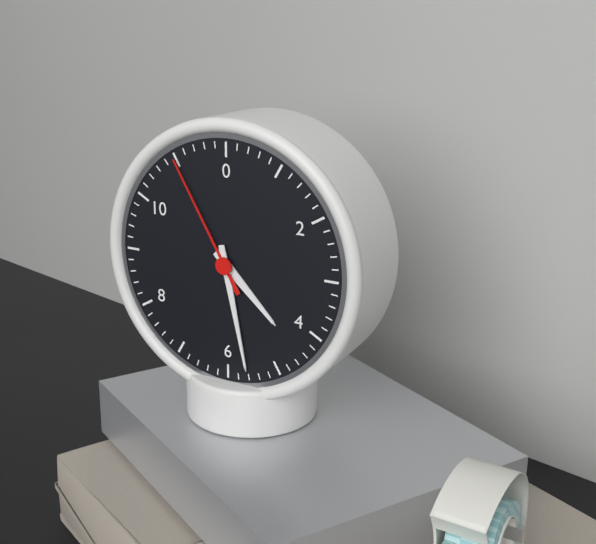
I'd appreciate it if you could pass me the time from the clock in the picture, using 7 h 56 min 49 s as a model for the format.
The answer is 4 h 28 min 55 s
